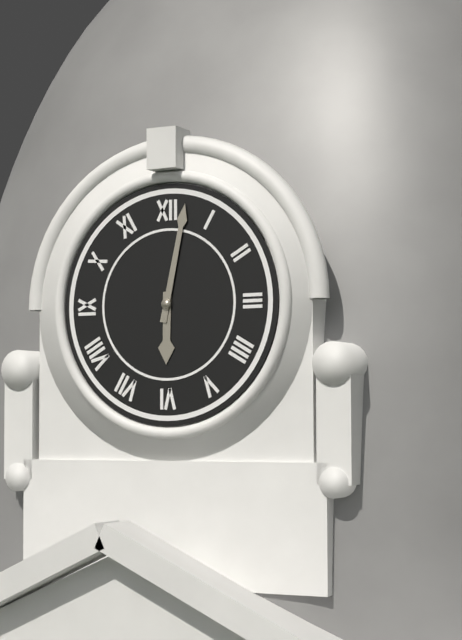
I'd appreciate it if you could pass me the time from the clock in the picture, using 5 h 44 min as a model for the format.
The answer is 6 h 02 min
